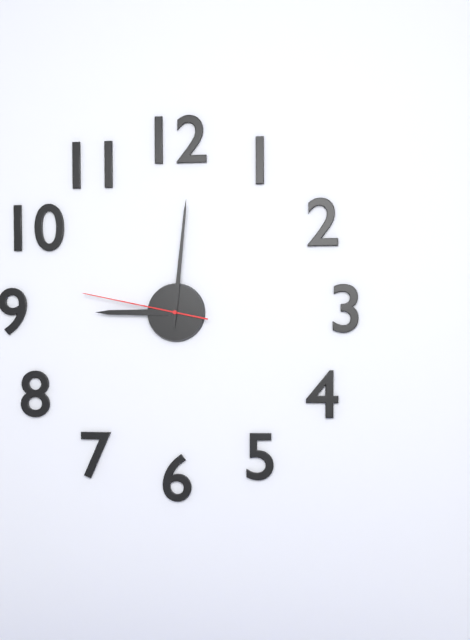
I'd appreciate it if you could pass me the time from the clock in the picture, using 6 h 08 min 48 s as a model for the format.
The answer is 9 h 01 min 47 s
